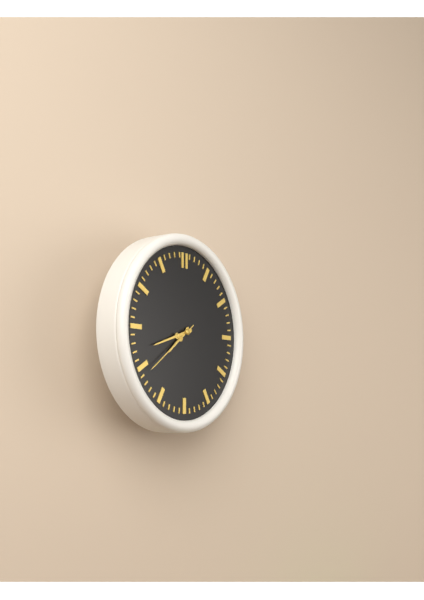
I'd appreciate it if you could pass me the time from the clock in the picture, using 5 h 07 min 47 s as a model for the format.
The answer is 7 h 42 min 39 s
